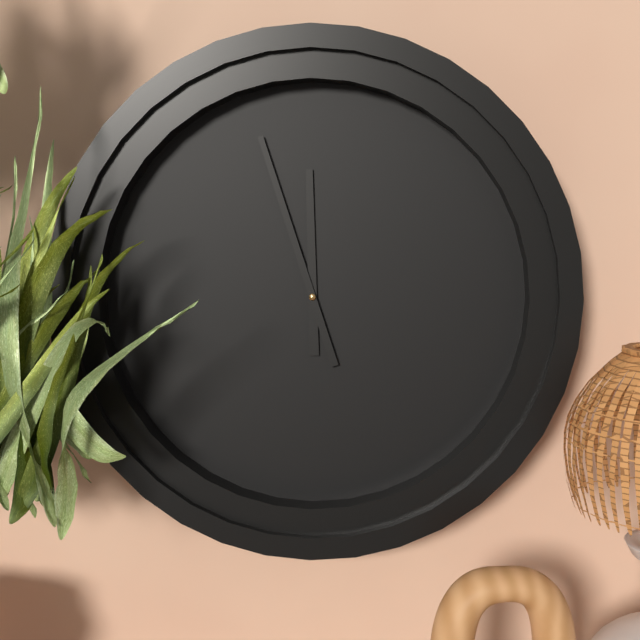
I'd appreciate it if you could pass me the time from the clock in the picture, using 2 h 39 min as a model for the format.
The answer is 11 h 57 min
